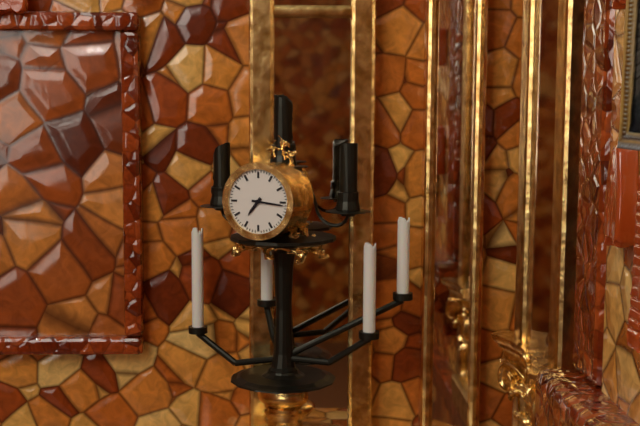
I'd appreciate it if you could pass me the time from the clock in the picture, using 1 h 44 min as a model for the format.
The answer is 7 h 16 min
